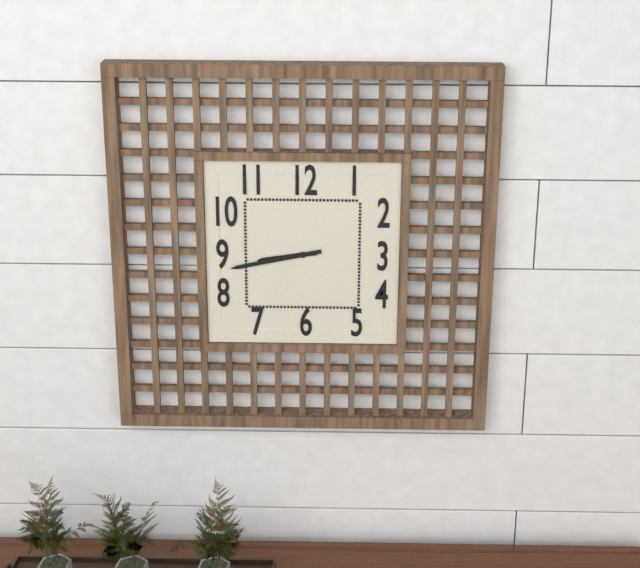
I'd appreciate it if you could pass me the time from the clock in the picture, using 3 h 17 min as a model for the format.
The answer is 8 h 43 min
